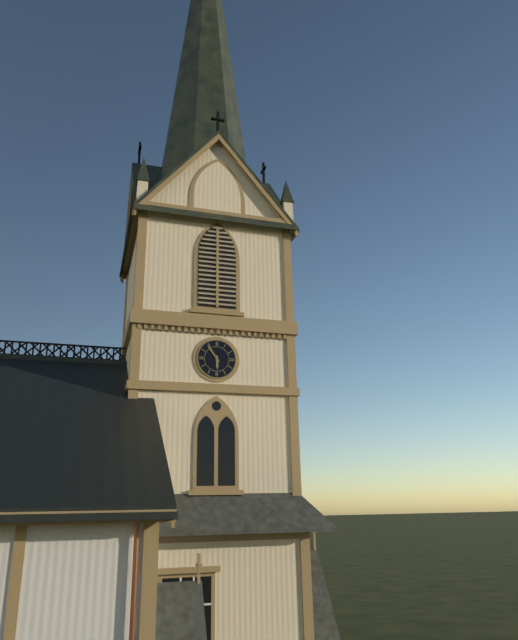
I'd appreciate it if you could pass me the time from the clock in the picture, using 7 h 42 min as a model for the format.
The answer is 5 h 54 min
